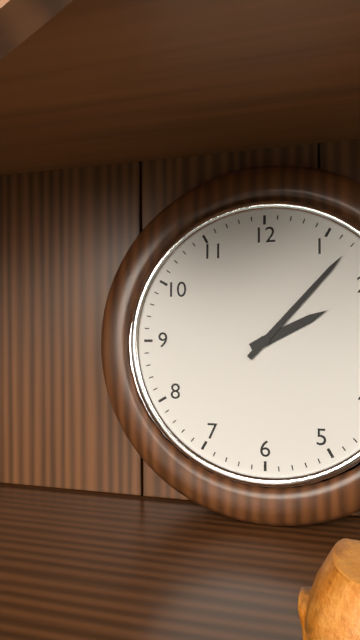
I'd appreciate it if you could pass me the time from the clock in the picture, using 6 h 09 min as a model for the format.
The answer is 2 h 07 min
